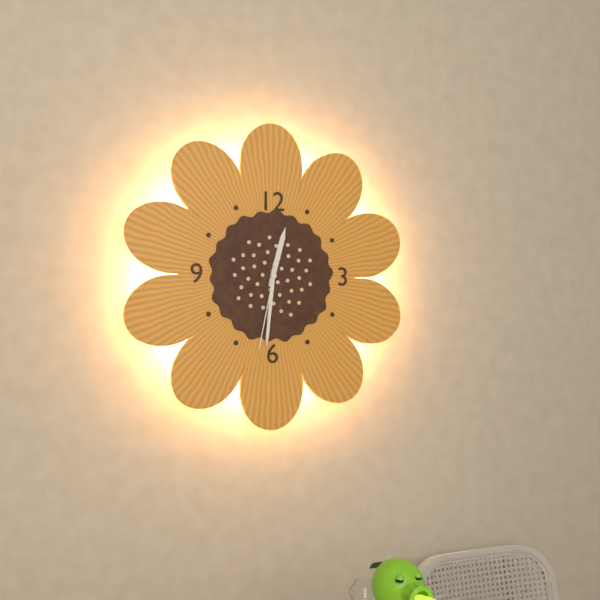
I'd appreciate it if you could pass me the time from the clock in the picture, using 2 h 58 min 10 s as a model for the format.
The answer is 12 h 31 min 32 s
